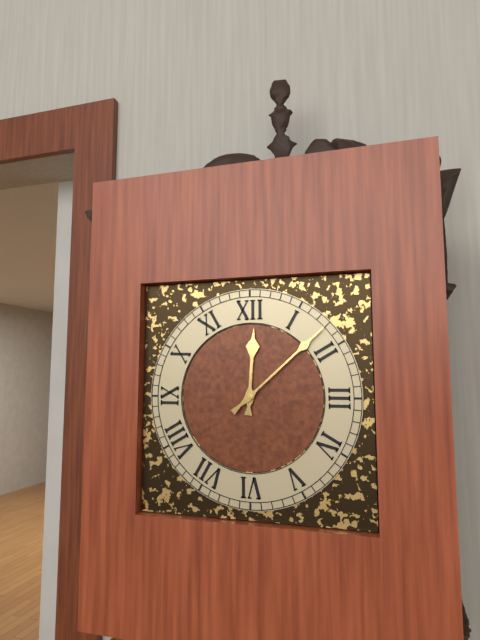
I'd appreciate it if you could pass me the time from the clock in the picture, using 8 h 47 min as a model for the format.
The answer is 12 h 08 min
